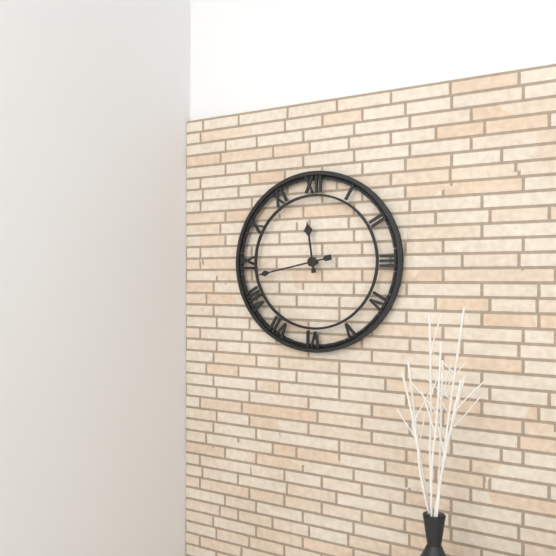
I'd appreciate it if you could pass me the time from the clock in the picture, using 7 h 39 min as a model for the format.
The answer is 11 h 43 min
